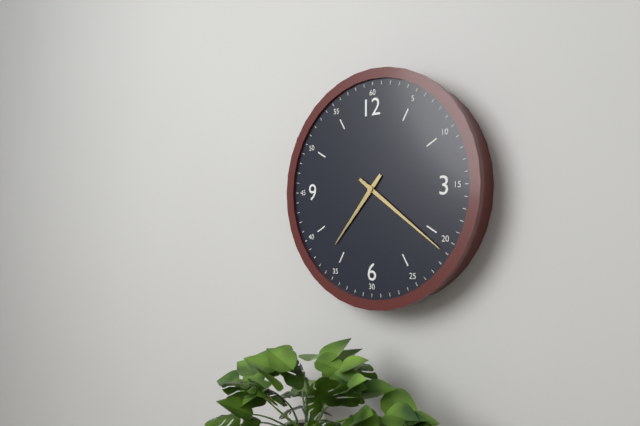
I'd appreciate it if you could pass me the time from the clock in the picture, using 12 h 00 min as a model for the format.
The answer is 7 h 21 min
